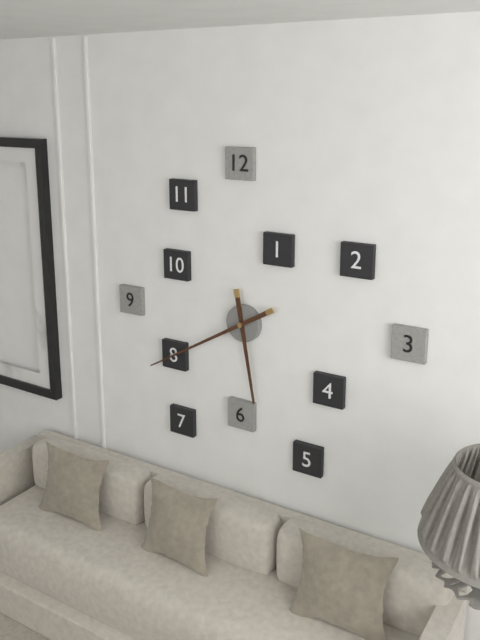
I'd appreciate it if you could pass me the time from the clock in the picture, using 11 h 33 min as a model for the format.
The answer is 5 h 40 min
